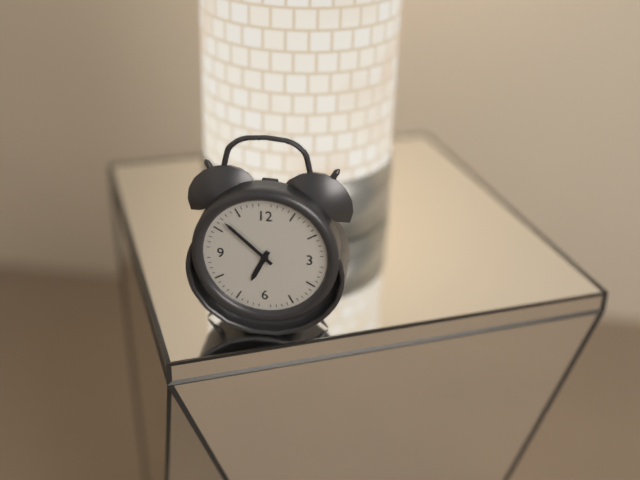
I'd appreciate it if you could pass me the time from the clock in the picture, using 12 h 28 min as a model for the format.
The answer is 6 h 52 min
